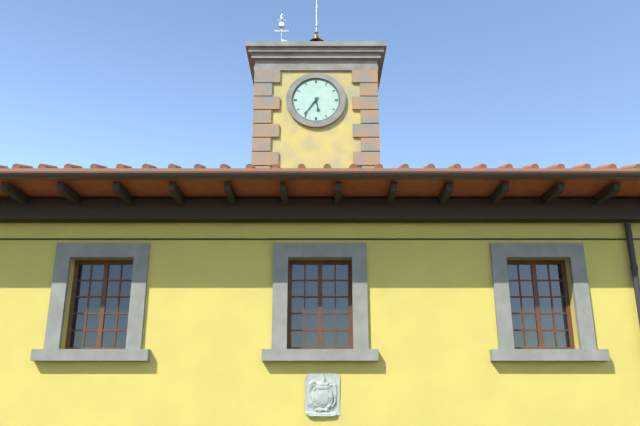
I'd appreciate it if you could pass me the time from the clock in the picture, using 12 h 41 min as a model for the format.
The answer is 5 h 36 min
